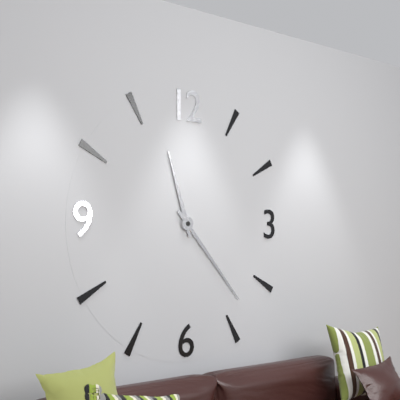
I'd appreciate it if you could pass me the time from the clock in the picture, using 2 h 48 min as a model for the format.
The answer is 11 h 23 min
